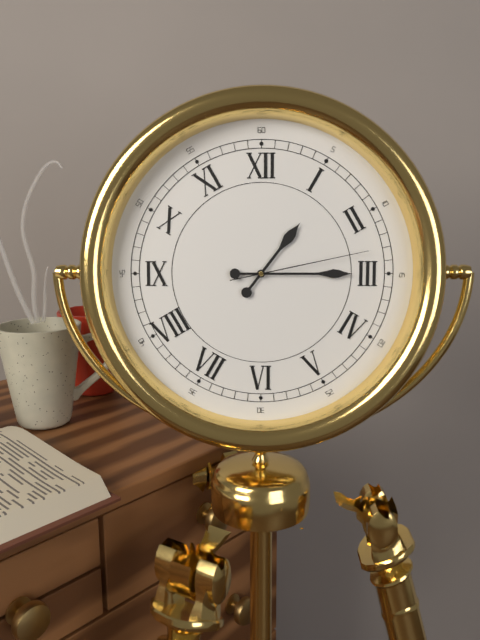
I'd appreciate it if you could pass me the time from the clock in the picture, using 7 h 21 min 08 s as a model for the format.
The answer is 1 h 15 min 13 s
